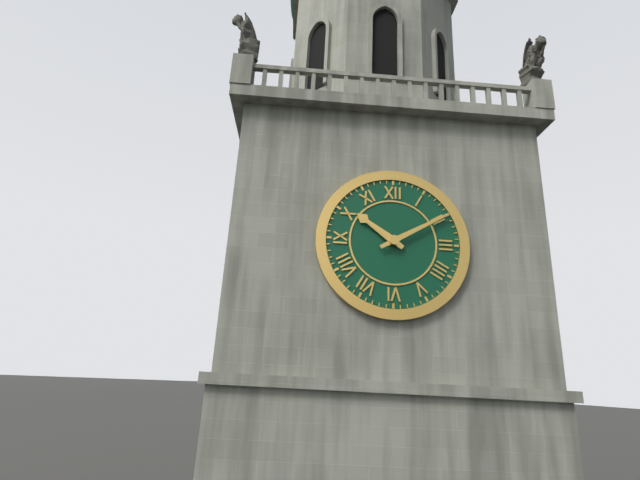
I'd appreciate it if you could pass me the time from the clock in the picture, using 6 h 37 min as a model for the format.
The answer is 10 h 10 min
